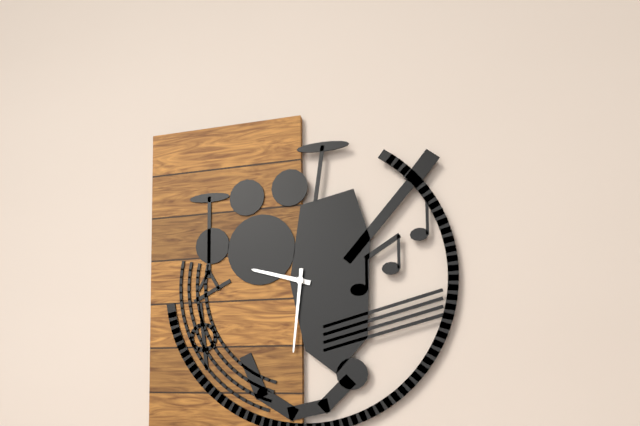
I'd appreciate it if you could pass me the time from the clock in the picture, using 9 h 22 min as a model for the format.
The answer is 9 h 31 min
